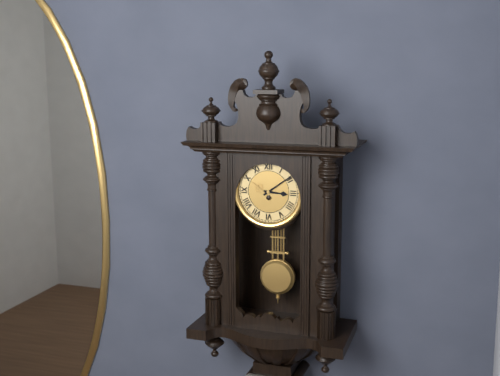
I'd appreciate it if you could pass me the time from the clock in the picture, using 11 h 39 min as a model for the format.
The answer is 3 h 09 min
